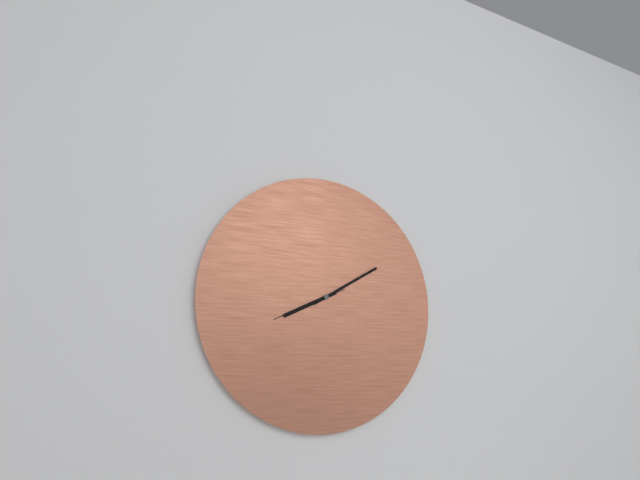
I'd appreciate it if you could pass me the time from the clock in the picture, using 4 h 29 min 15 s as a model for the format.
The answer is 8 h 10 min 41 s
